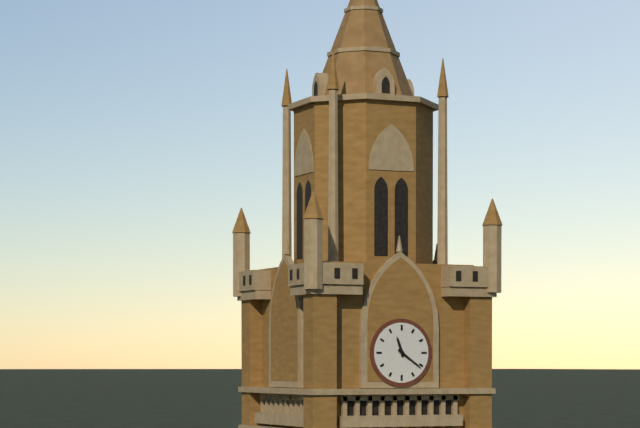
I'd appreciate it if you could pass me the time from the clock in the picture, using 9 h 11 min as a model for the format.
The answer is 11 h 21 min
